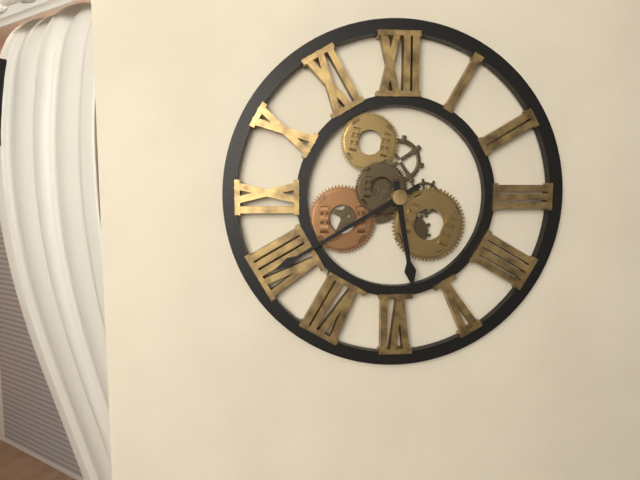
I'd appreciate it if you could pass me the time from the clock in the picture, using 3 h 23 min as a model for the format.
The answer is 5 h 40 min
